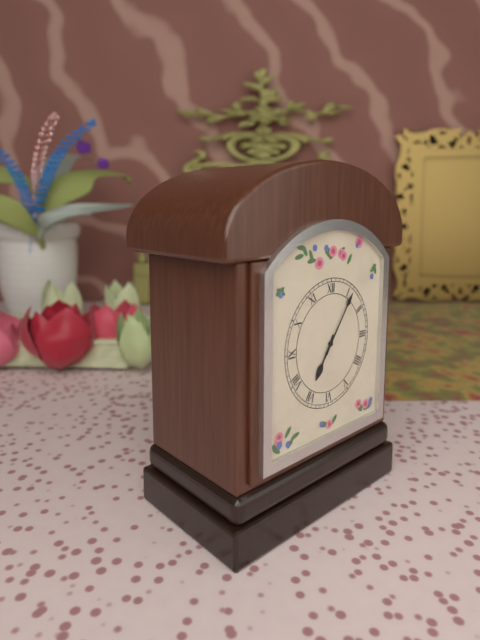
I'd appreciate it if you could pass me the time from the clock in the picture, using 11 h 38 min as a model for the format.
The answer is 7 h 06 min
